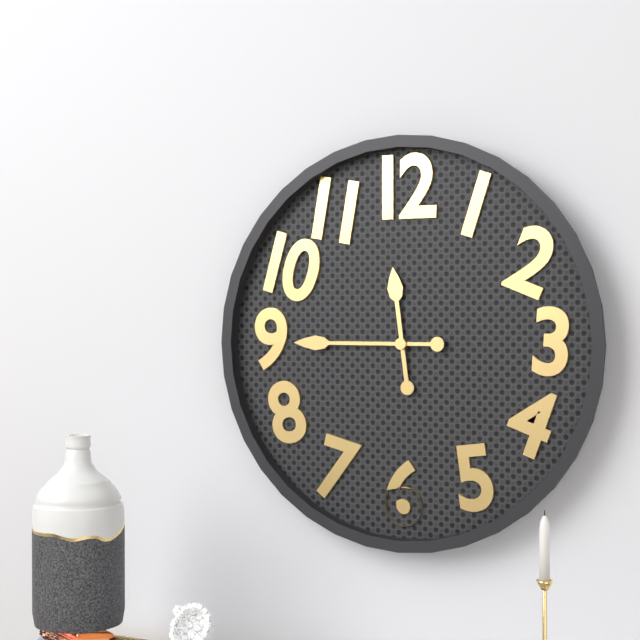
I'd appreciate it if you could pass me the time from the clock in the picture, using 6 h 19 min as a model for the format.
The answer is 11 h 45 min
